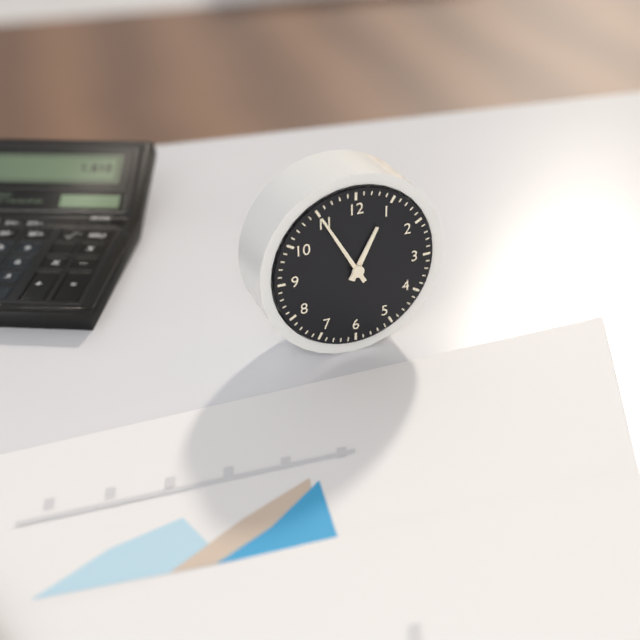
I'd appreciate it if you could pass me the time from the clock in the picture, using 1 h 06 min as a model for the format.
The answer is 12 h 55 min
